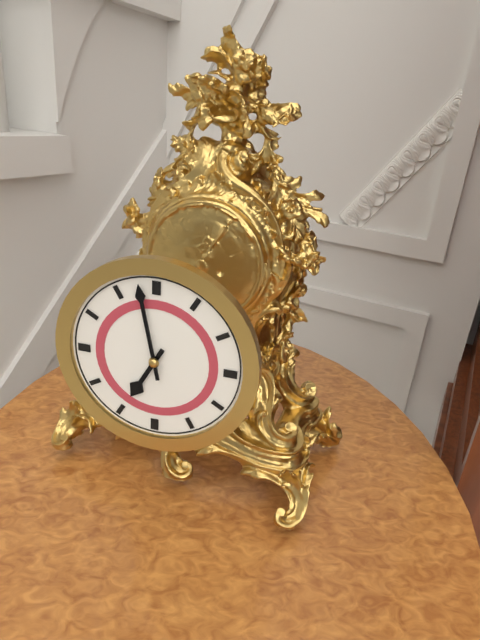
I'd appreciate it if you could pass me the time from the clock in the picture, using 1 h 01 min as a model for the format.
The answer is 6 h 58 min
